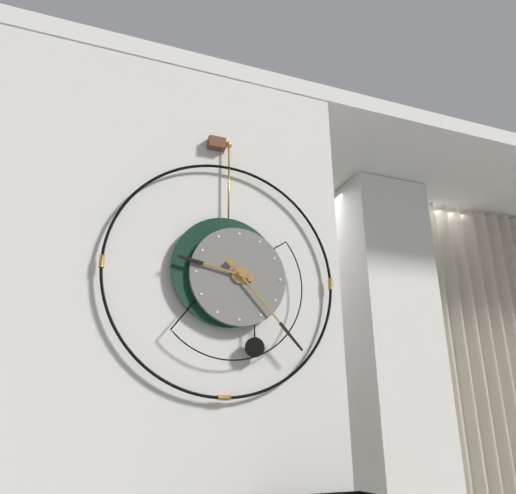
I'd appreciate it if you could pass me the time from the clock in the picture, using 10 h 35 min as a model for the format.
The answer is 9 h 23 min
